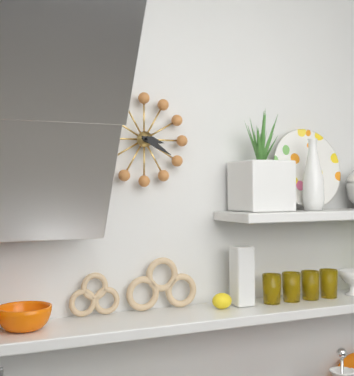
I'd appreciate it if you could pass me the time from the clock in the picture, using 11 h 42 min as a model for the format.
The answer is 3 h 20 min
